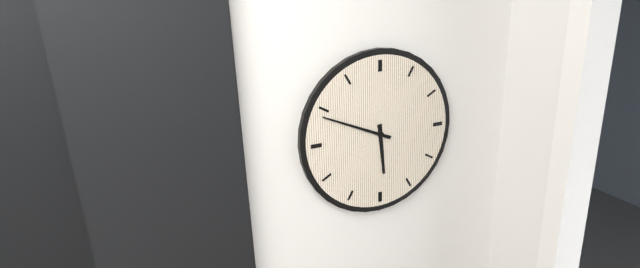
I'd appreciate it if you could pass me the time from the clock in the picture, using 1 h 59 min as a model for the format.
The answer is 5 h 49 min
